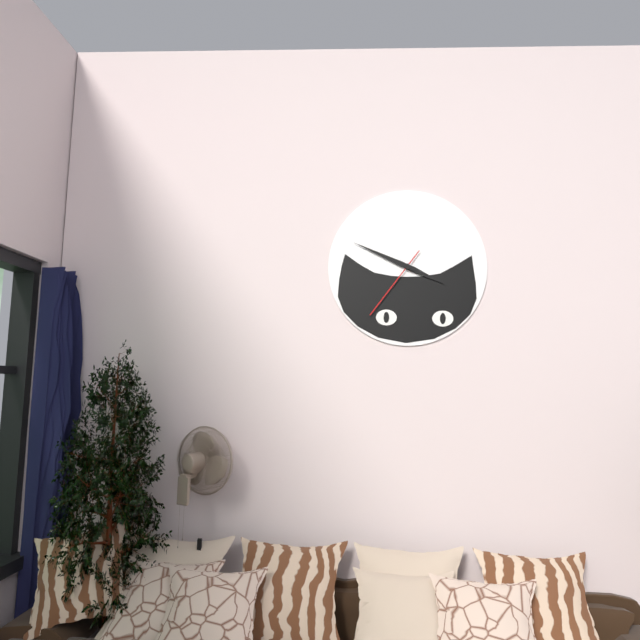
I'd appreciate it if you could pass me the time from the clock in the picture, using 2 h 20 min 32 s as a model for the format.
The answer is 3 h 49 min 36 s
